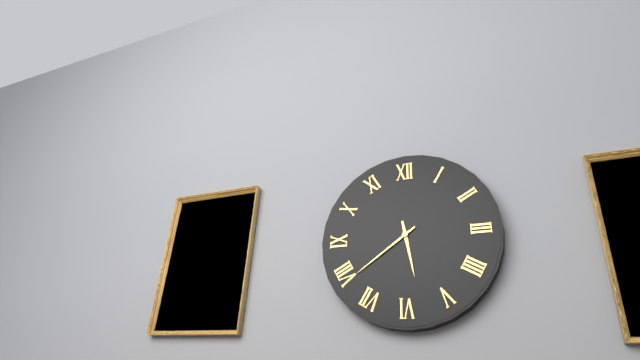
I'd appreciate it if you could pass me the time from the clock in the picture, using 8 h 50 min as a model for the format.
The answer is 5 h 39 min
